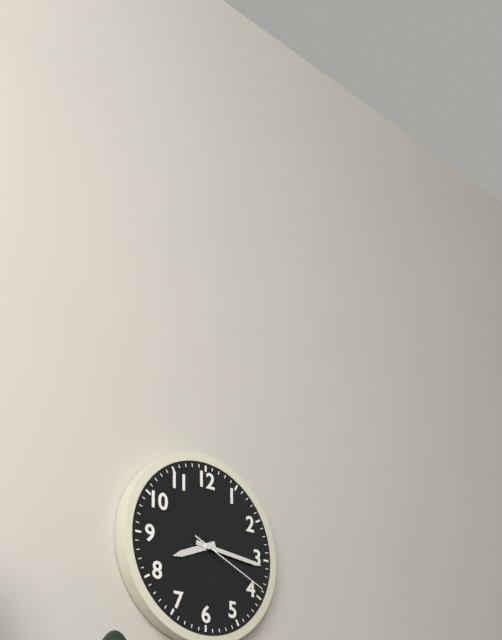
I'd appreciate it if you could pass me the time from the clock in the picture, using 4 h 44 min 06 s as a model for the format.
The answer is 8 h 16 min 19 s
